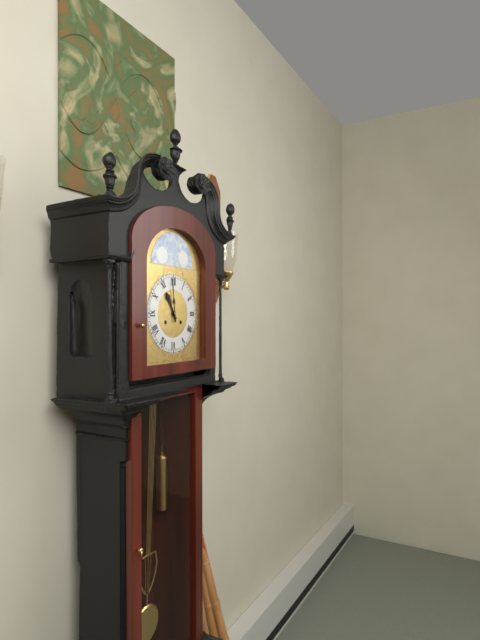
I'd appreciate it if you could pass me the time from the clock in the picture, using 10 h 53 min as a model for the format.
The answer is 10 h 59 min
